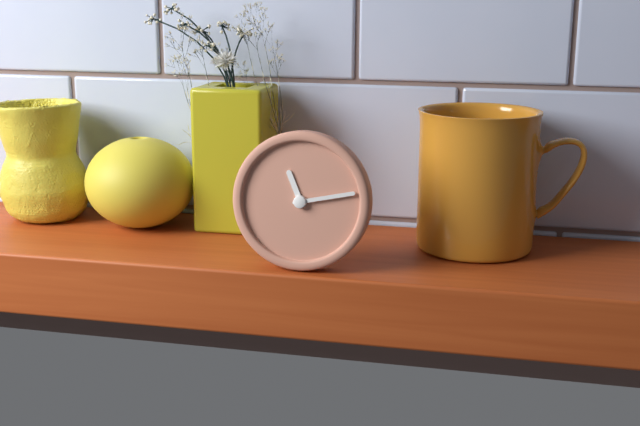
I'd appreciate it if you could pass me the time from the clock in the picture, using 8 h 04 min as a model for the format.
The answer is 11 h 13 min
